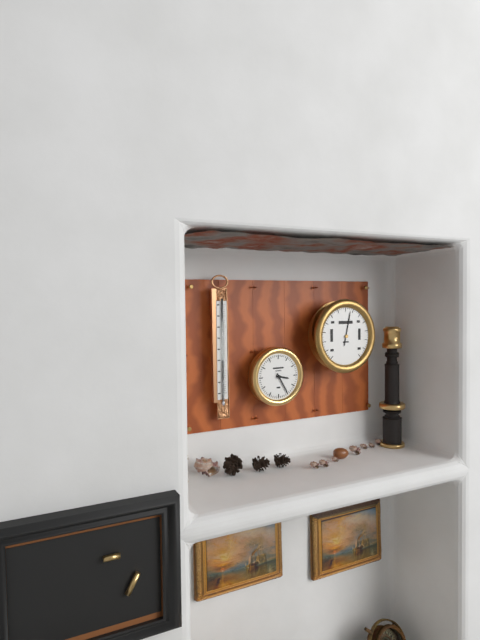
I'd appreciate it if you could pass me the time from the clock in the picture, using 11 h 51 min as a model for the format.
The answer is 3 h 25 min
